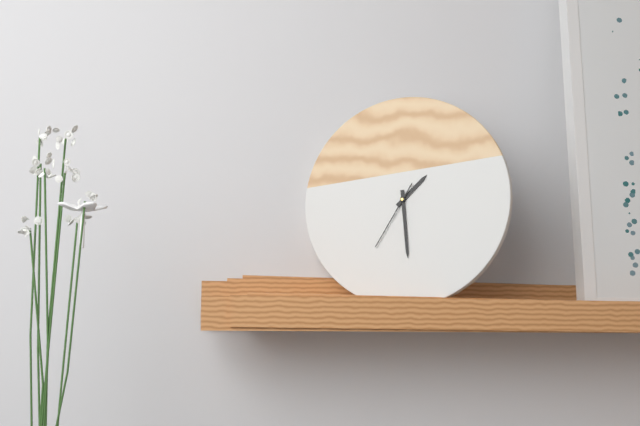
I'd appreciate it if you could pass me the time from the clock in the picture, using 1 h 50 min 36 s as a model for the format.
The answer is 1 h 29 min 35 s
